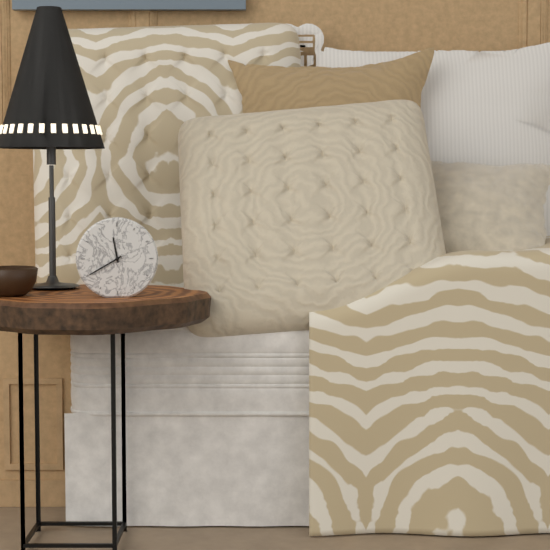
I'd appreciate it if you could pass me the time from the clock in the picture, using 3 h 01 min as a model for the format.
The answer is 11 h 40 min
